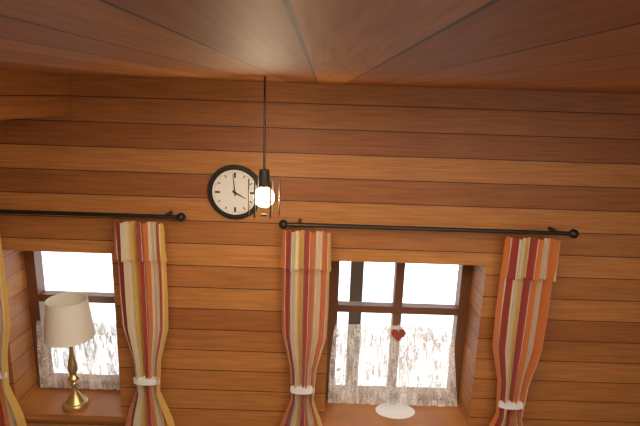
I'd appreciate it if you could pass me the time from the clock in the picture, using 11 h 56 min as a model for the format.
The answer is 3 h 59 min
